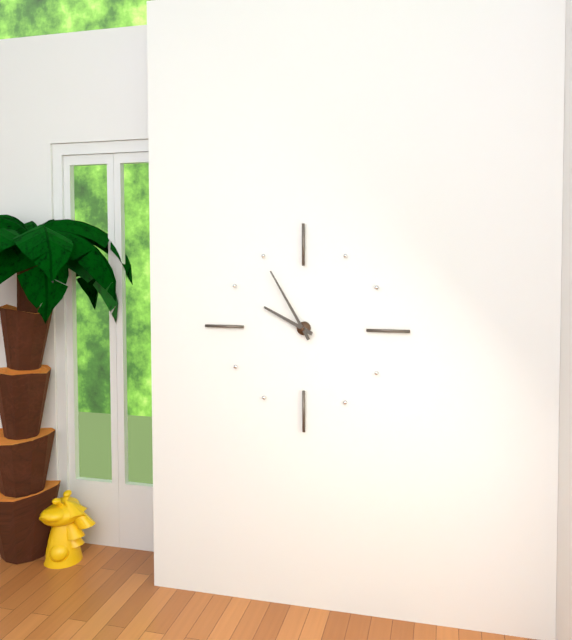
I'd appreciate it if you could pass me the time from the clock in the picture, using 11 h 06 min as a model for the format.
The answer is 9 h 55 min
